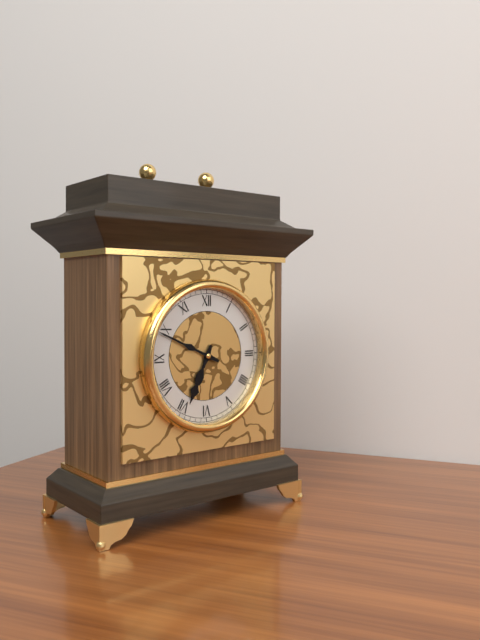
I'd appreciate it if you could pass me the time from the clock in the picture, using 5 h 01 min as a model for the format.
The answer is 6 h 49 min
